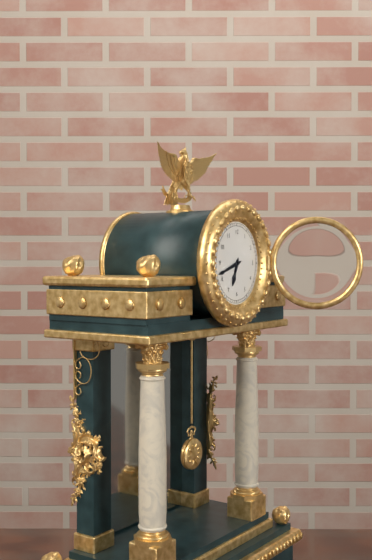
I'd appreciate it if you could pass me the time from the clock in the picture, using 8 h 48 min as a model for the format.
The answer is 6 h 42 min
